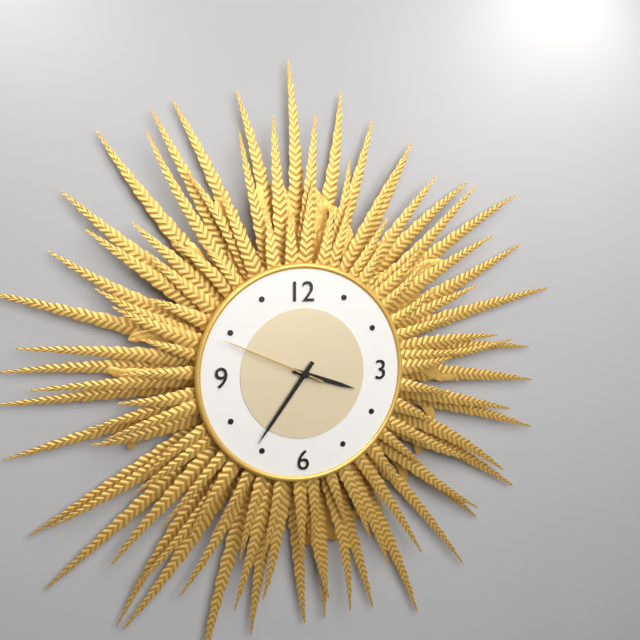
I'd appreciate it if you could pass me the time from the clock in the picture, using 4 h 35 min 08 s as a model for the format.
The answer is 3 h 36 min 49 s
